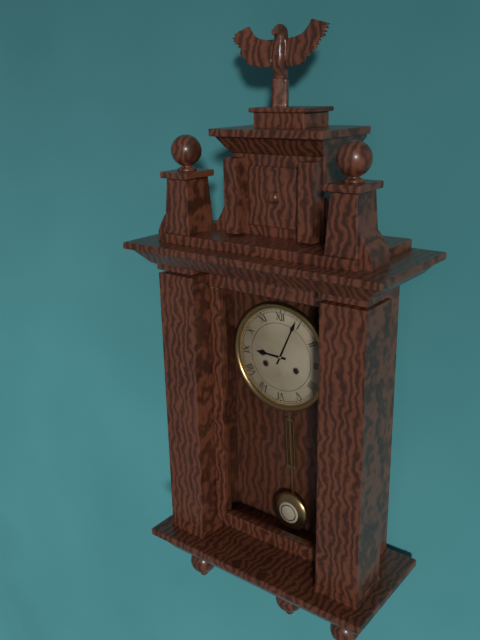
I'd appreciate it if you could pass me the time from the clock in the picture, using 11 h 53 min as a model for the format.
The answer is 9 h 04 min
